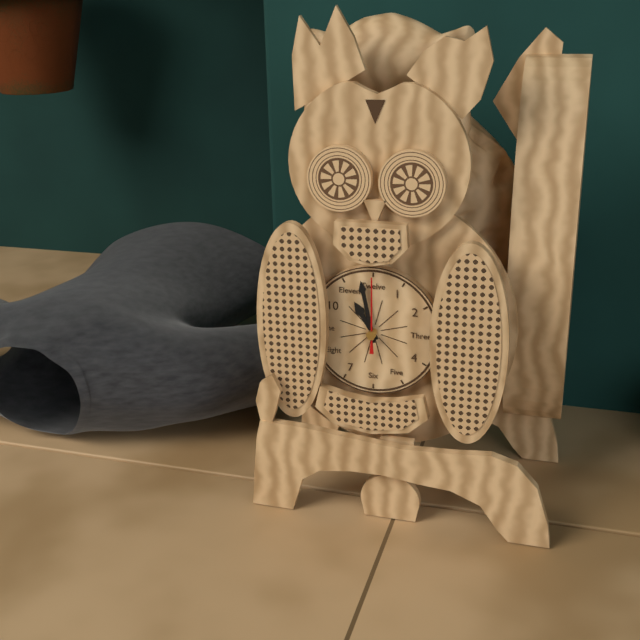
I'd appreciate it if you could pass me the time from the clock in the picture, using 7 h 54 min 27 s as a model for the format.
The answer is 10 h 58 min 00 s
